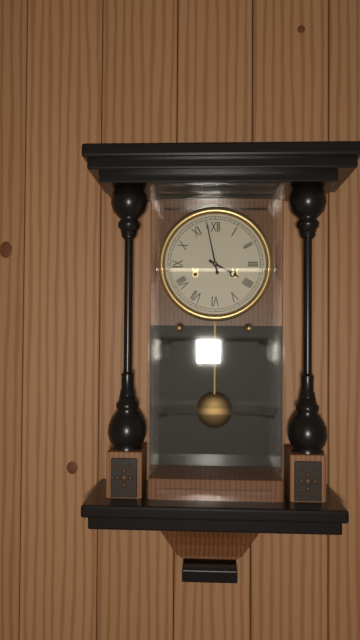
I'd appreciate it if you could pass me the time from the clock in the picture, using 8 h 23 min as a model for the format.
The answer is 3 h 58 min
